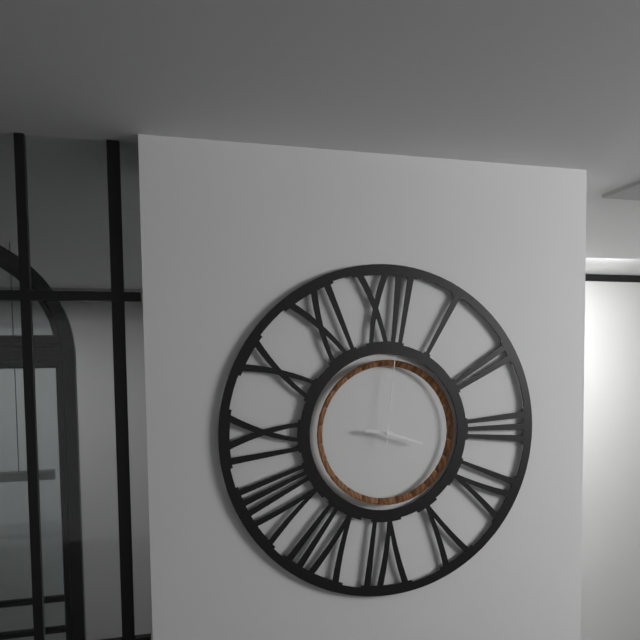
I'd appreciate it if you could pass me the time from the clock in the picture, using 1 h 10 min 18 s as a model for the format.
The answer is 9 h 18 min 01 s
